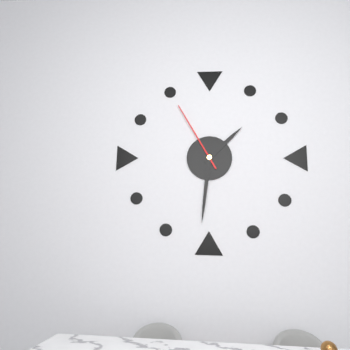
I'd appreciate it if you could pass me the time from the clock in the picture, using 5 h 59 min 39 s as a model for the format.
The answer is 1 h 31 min 55 s
